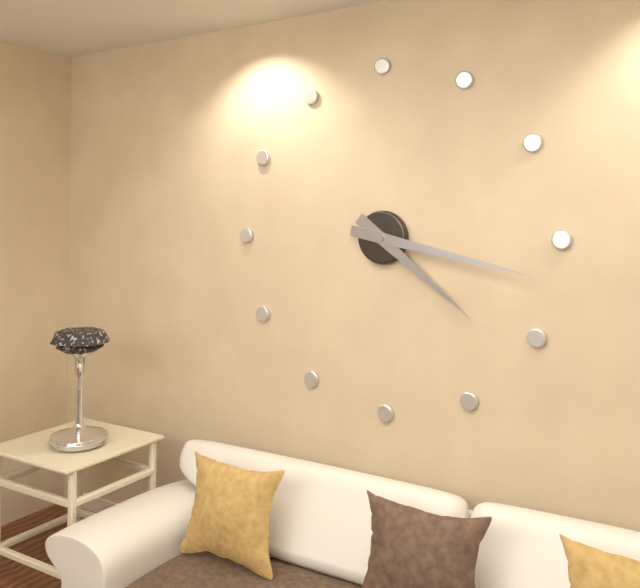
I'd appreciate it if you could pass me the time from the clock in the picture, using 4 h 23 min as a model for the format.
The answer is 4 h 17 min
